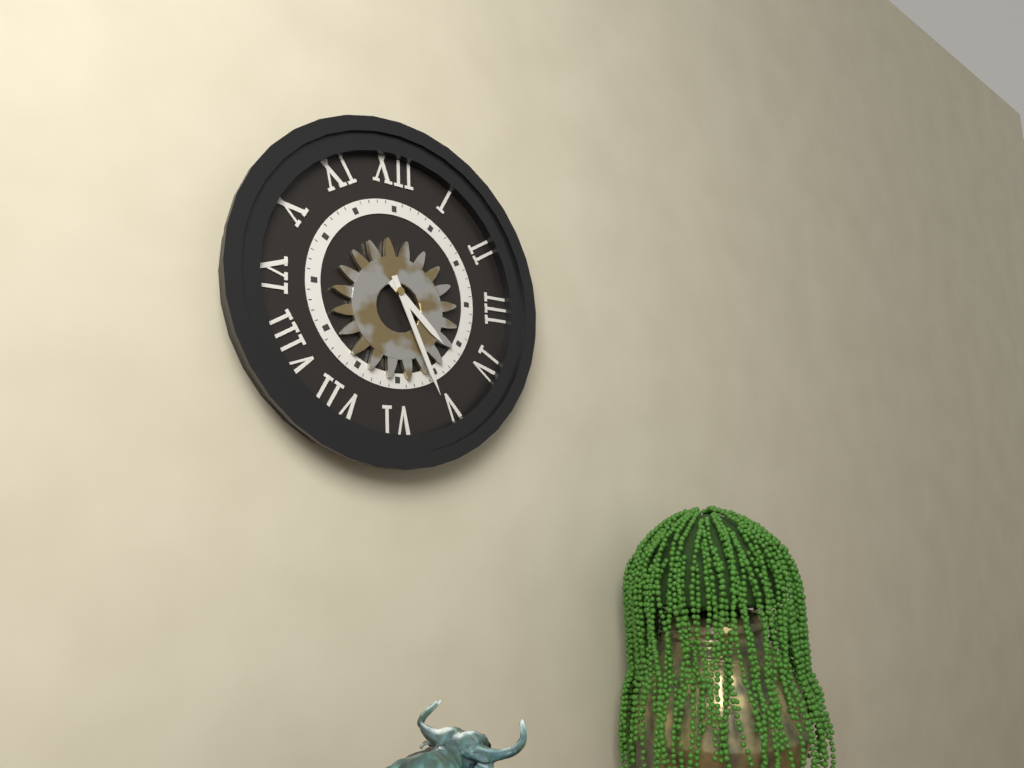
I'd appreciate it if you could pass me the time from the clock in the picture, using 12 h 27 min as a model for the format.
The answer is 4 h 26 min
